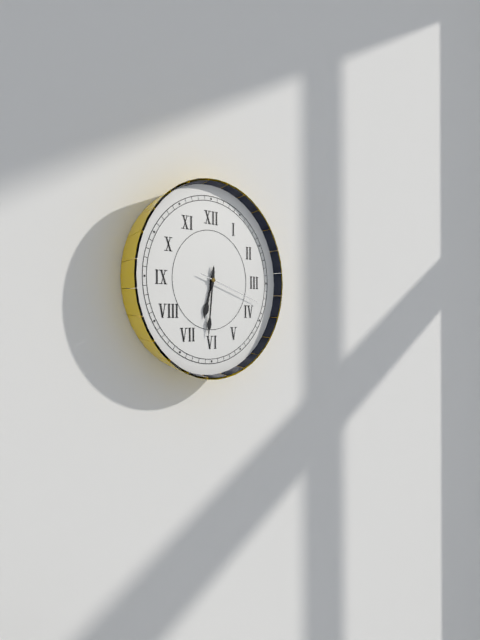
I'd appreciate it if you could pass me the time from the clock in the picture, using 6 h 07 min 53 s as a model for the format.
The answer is 6 h 31 min 18 s
